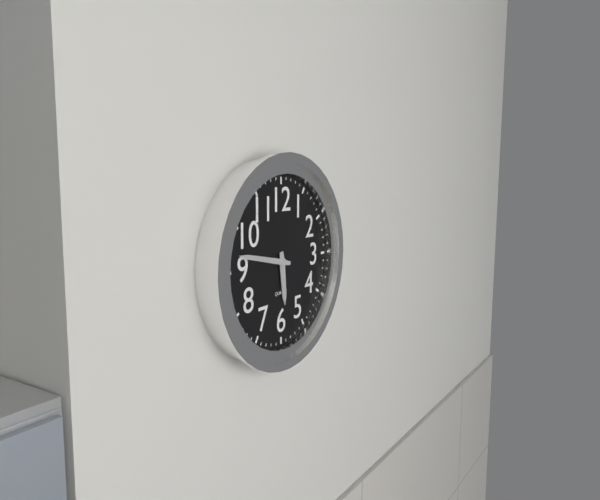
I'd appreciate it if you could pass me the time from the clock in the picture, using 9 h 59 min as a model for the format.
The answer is 5 h 47 min
